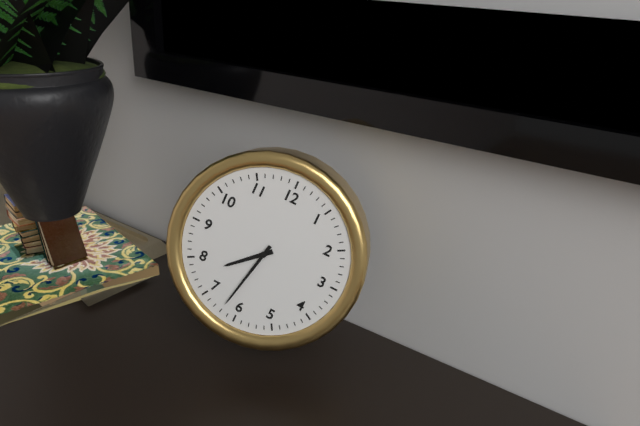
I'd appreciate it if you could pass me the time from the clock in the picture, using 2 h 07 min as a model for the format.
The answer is 7 h 32 min
